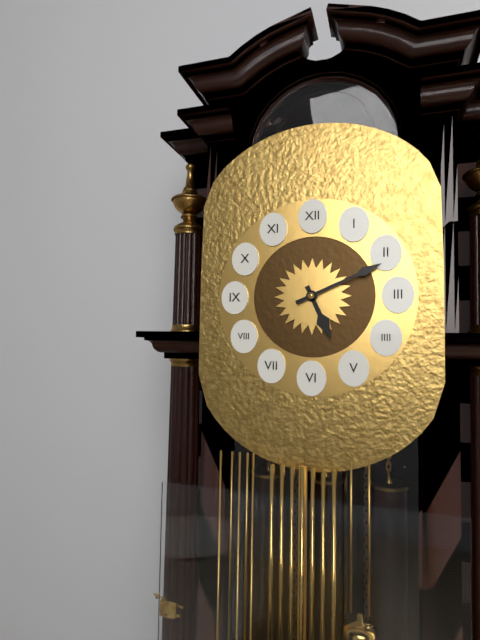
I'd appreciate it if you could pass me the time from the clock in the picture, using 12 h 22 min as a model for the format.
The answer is 5 h 11 min
